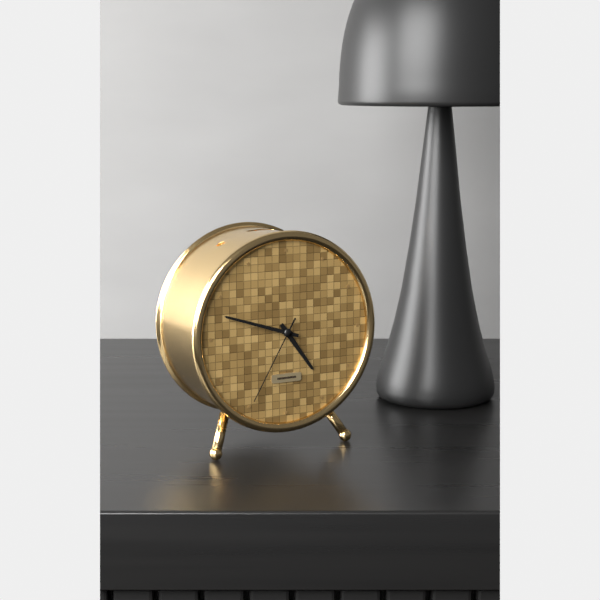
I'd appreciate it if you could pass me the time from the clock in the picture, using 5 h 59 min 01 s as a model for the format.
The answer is 4 h 48 min 35 s
